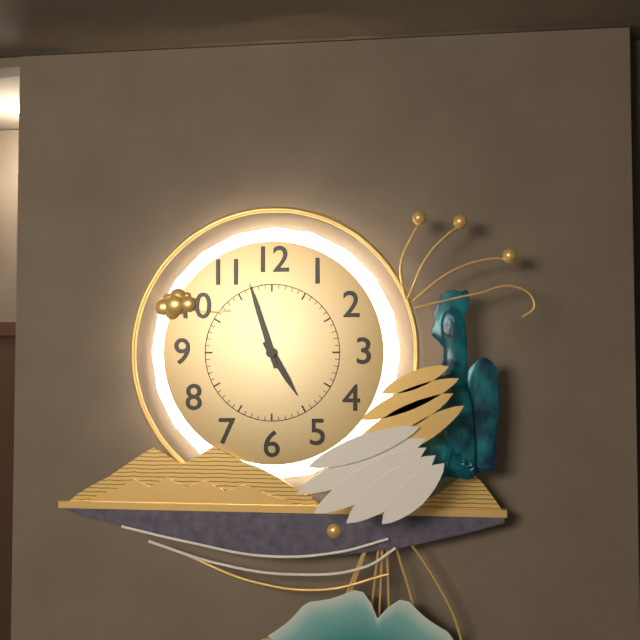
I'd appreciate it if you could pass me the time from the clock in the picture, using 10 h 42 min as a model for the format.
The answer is 4 h 57 min
